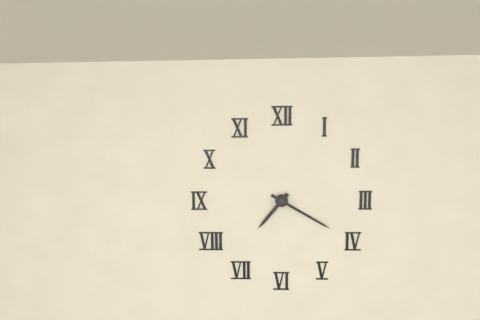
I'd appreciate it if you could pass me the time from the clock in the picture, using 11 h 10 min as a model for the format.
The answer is 7 h 20 min
